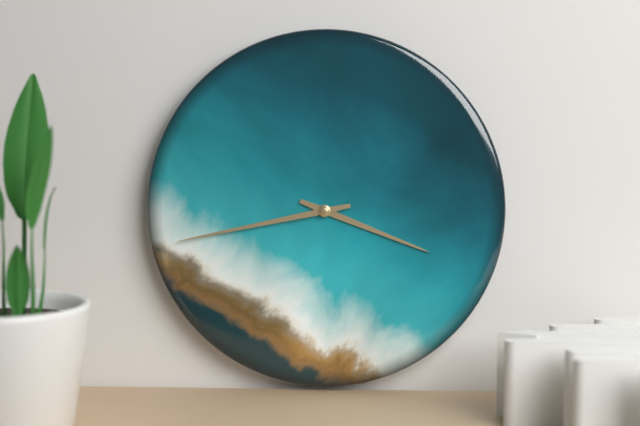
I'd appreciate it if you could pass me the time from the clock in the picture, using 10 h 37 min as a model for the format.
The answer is 3 h 43 min
